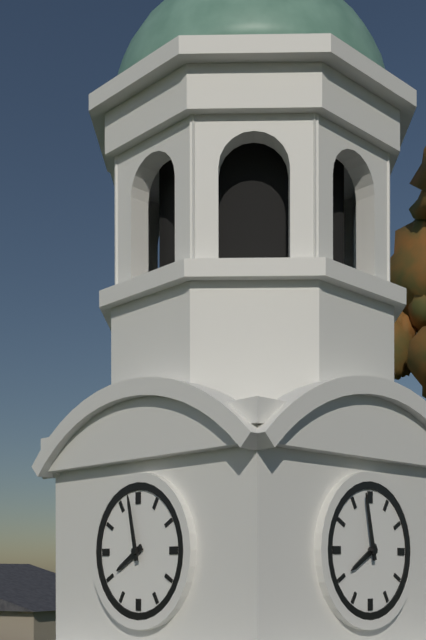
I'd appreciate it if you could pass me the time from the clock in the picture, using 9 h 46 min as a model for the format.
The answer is 7 h 58 min
